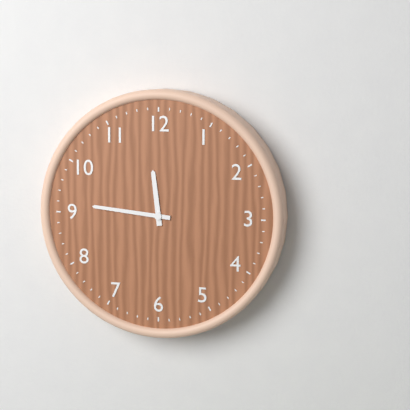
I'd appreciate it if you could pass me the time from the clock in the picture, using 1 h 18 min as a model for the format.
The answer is 11 h 46 min
